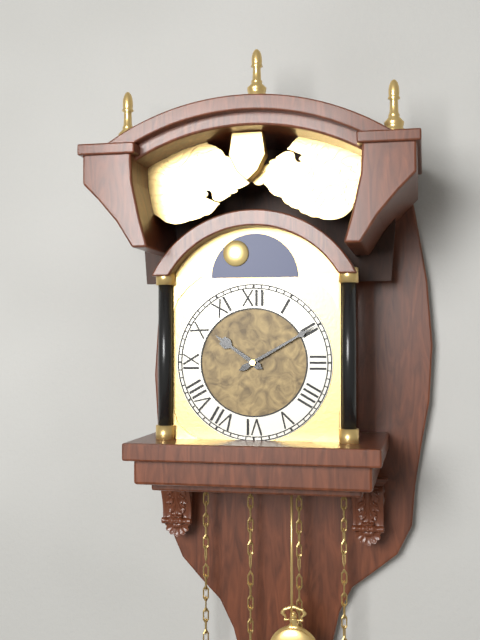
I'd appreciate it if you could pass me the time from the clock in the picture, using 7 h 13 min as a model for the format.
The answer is 10 h 10 min
